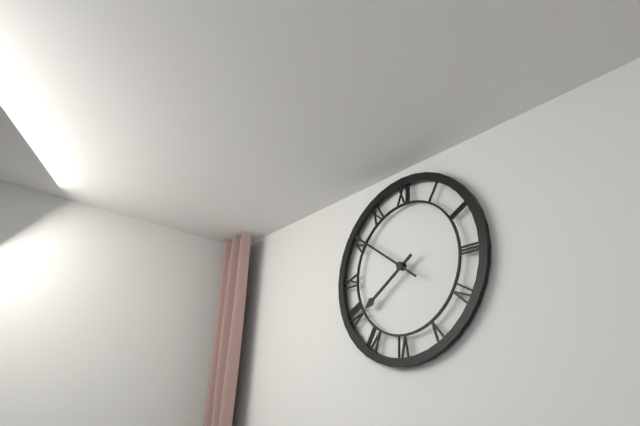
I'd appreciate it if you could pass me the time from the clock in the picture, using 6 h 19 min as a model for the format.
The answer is 7 h 51 min
